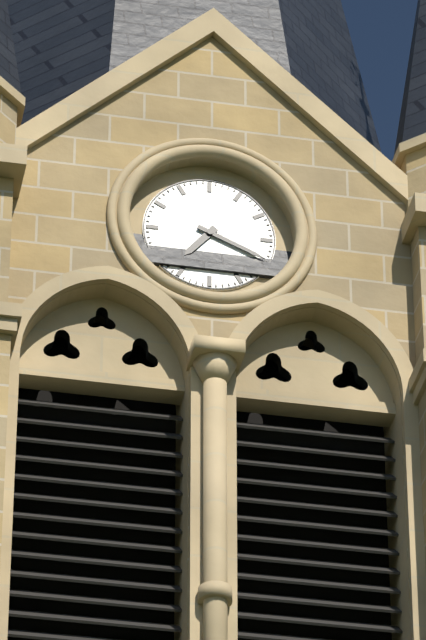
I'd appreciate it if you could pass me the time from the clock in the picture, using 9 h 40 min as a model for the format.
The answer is 7 h 19 min
